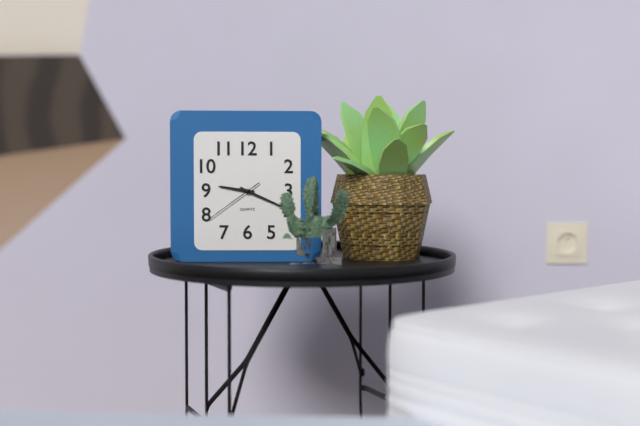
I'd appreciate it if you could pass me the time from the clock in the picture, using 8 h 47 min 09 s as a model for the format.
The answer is 9 h 19 min 39 s
